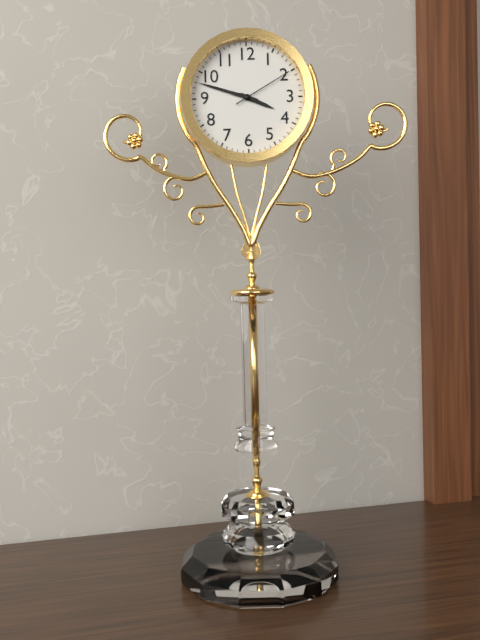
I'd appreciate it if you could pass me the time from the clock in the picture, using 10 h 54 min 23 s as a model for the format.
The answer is 3 h 48 min 10 s
